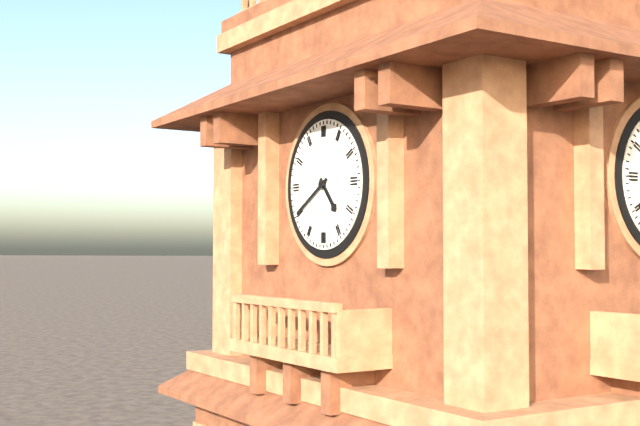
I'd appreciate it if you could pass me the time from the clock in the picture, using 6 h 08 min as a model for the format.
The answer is 4 h 40 min
